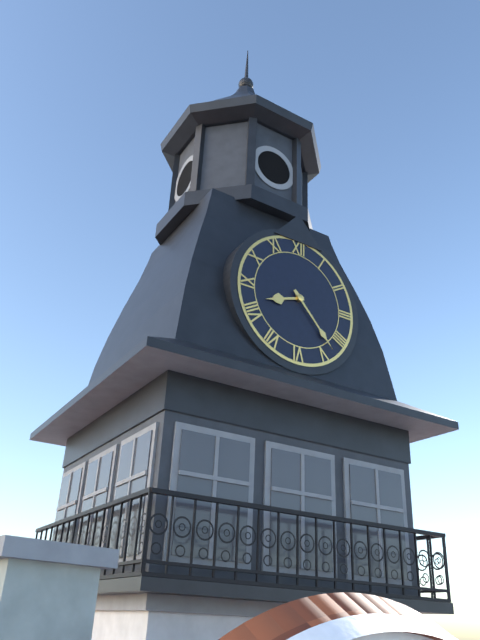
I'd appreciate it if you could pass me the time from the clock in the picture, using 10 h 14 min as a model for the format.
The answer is 8 h 23 min
